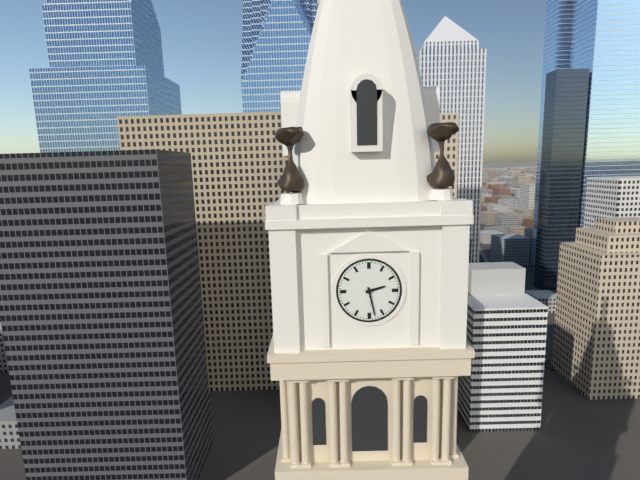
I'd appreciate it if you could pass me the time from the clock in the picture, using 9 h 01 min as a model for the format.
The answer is 2 h 28 min
